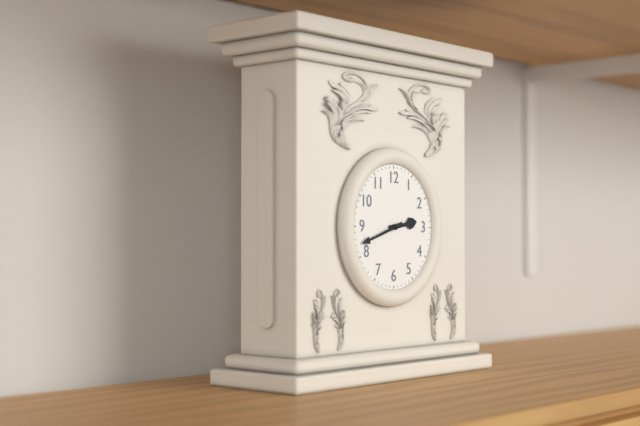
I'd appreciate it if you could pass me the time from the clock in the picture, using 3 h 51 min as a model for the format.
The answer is 2 h 42 min
